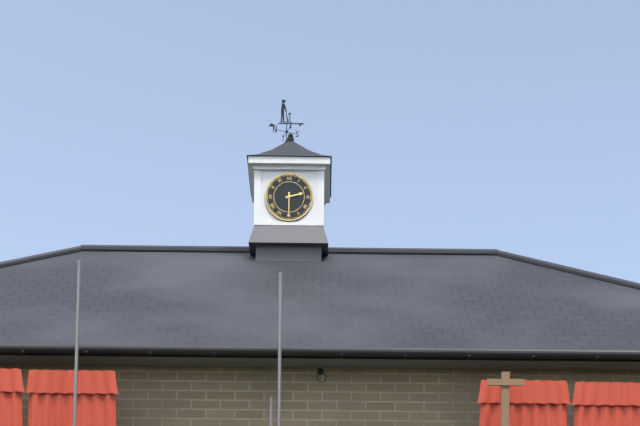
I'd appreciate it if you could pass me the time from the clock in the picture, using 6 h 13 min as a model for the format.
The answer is 2 h 30 min
